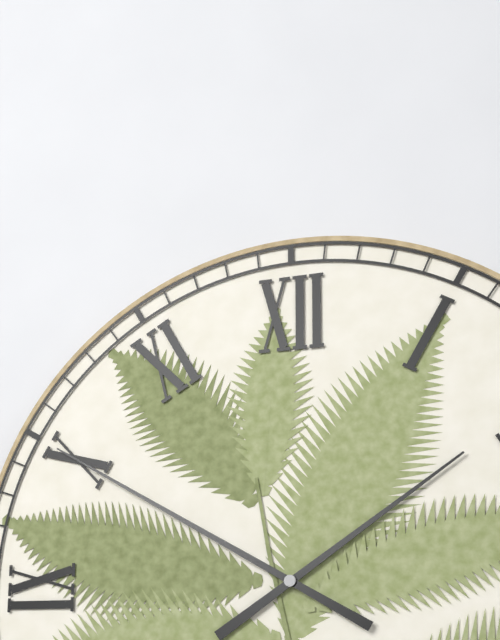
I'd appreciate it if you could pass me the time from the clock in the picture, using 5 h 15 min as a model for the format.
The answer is 1 h 50 min
